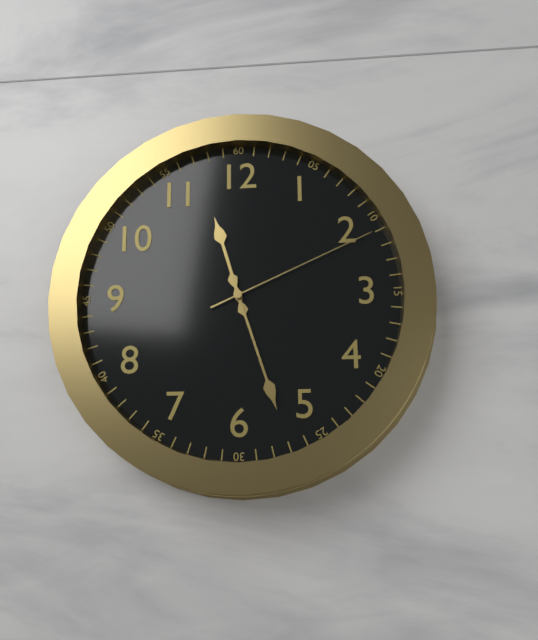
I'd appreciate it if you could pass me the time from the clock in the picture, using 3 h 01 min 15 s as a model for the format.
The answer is 11 h 27 min 11 s
